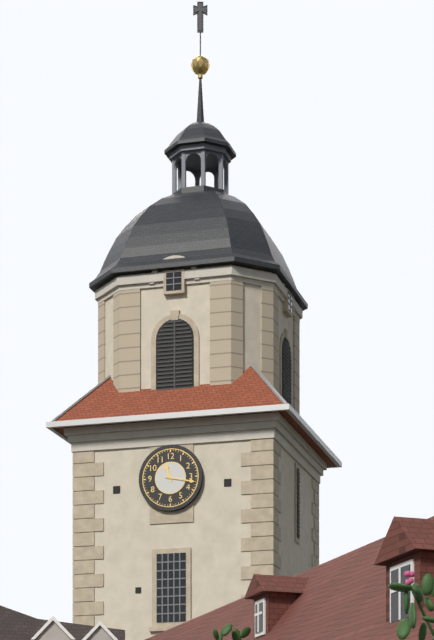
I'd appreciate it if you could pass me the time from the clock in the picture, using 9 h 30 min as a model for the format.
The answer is 11 h 17 min
